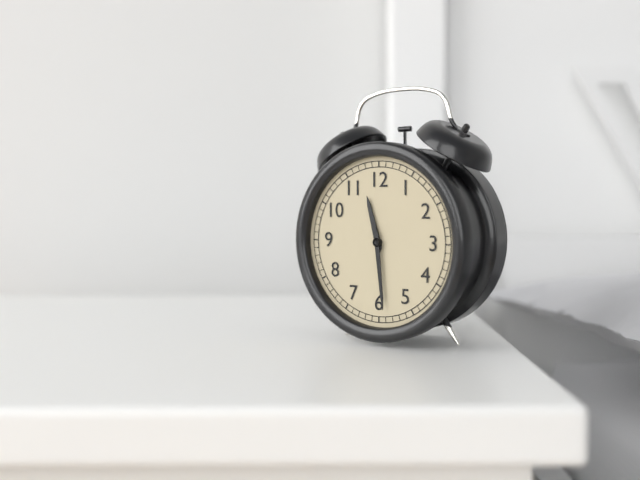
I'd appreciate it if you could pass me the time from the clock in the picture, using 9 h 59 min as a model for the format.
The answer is 11 h 29 min
